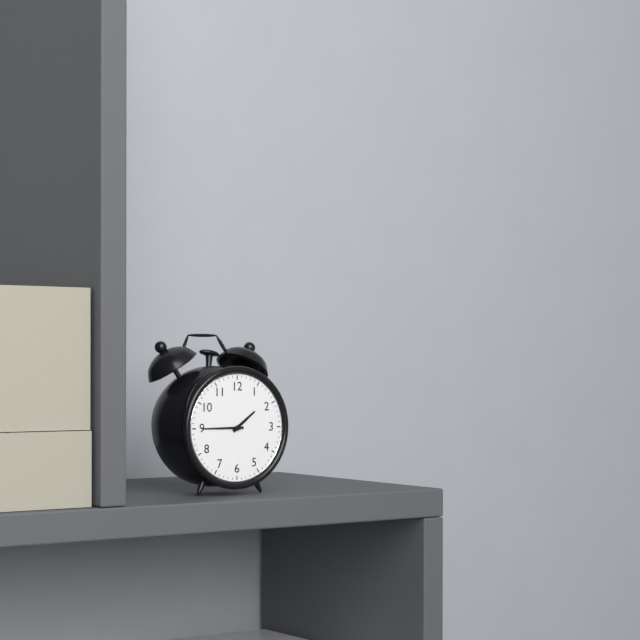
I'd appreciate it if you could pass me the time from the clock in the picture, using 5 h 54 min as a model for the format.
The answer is 1 h 45 min
